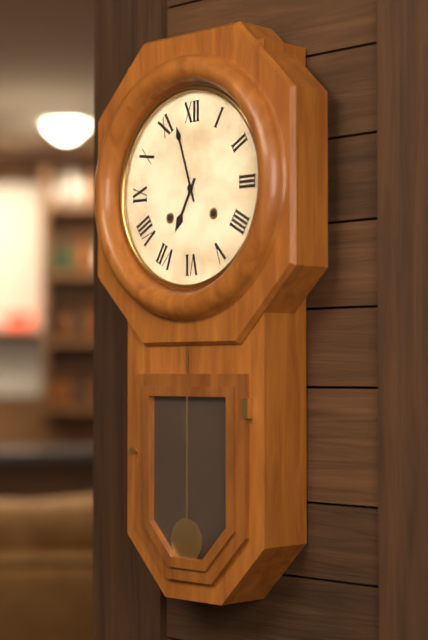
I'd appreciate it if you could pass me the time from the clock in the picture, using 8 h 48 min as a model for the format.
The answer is 6 h 57 min
